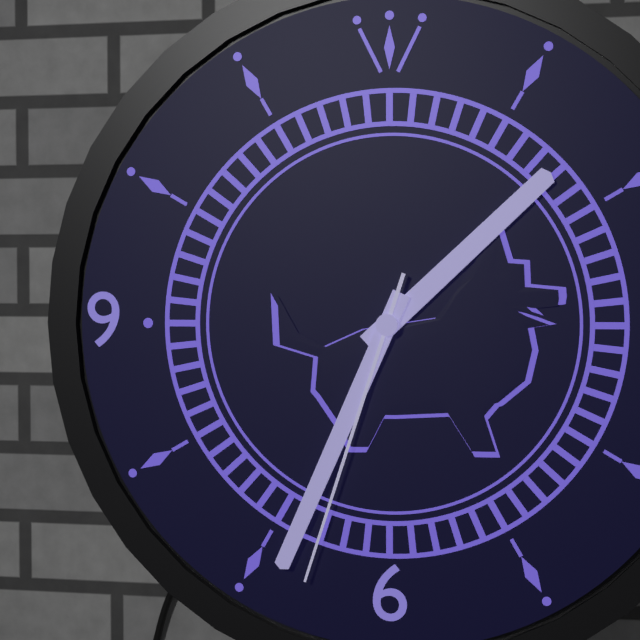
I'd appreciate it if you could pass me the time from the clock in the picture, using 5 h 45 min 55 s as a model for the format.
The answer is 1 h 34 min 33 s
